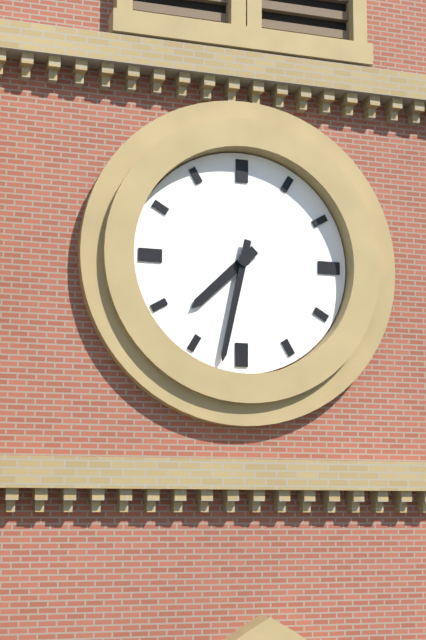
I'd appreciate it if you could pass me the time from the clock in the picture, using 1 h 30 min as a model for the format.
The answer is 7 h 32 min
